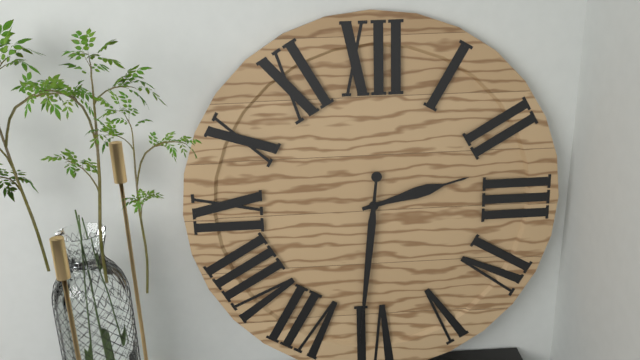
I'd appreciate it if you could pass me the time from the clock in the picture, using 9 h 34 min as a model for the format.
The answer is 2 h 31 min
